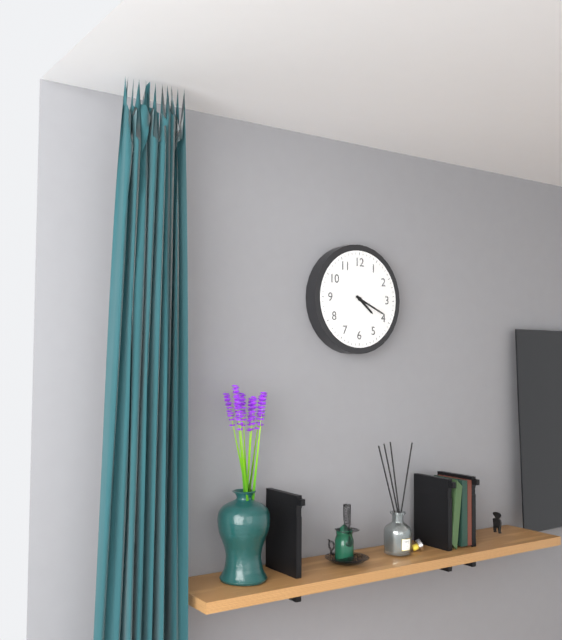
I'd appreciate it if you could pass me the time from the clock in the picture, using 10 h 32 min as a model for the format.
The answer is 4 h 19 min
